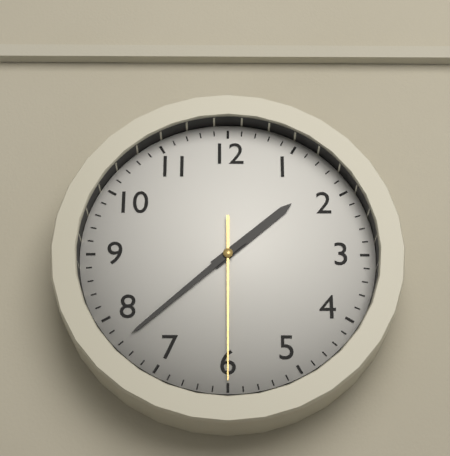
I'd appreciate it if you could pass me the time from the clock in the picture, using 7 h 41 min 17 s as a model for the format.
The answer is 1 h 38 min 30 s
